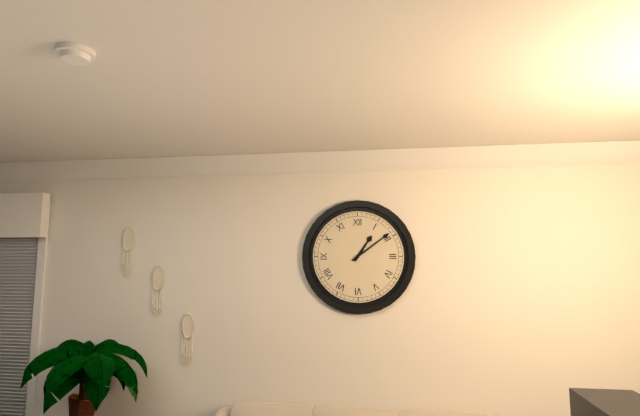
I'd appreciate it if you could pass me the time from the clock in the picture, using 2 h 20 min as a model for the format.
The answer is 1 h 09 min
